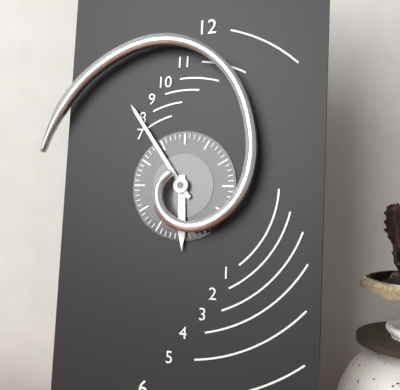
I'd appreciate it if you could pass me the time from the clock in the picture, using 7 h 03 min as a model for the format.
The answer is 5 h 54 min
